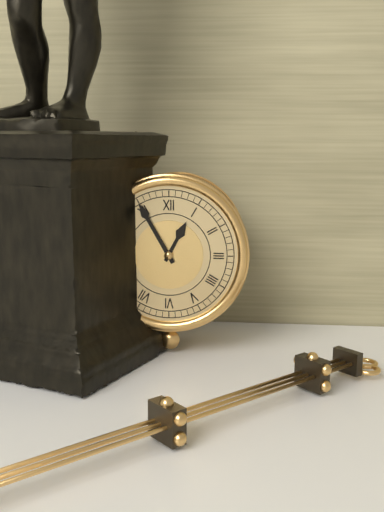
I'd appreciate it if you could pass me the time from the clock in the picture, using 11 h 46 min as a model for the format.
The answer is 12 h 55 min
